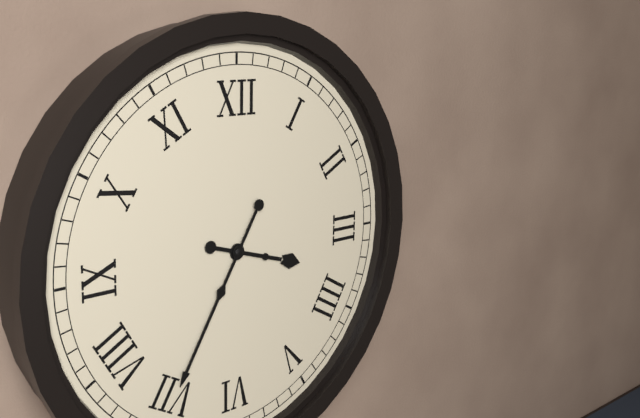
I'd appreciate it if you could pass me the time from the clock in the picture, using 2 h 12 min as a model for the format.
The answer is 3 h 35 min
